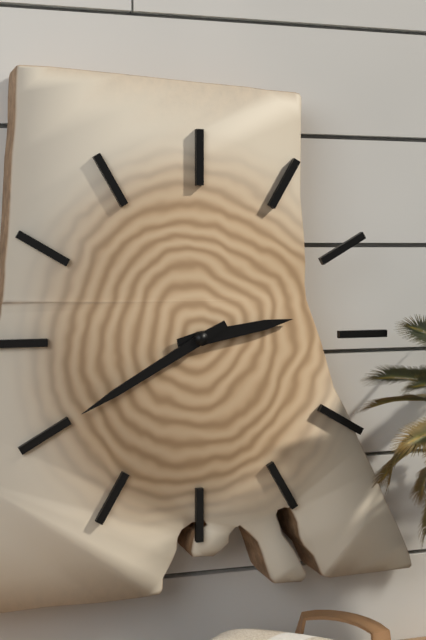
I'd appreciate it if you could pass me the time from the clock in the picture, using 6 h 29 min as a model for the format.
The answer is 2 h 40 min
